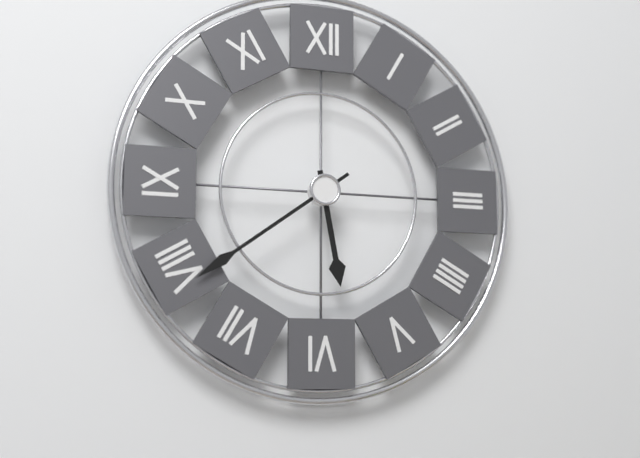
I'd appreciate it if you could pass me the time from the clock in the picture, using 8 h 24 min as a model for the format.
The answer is 5 h 39 min
